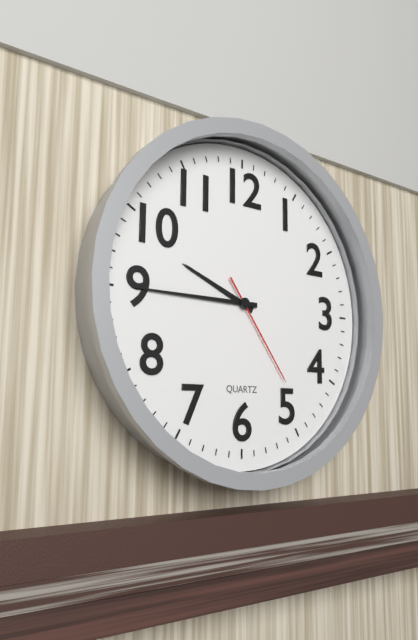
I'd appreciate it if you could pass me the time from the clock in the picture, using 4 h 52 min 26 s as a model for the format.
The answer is 9 h 45 min 24 s
